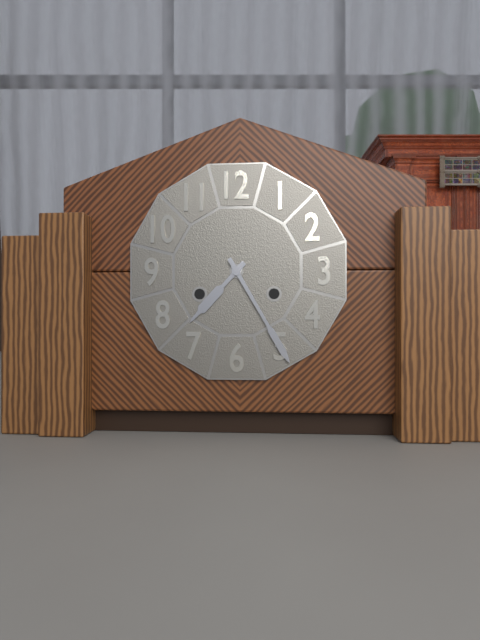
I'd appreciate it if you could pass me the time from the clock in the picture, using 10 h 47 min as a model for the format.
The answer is 7 h 25 min
